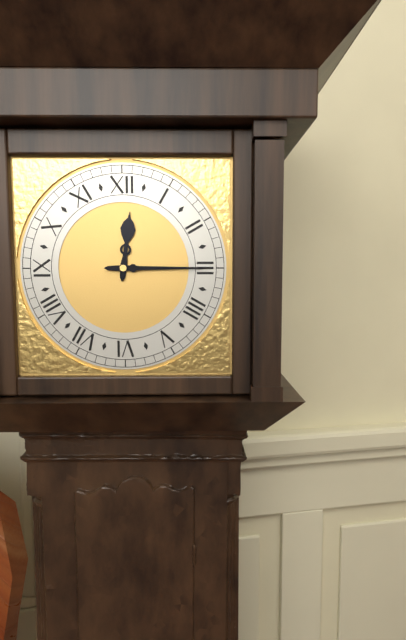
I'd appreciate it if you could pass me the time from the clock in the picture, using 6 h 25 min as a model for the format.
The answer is 12 h 15 min
